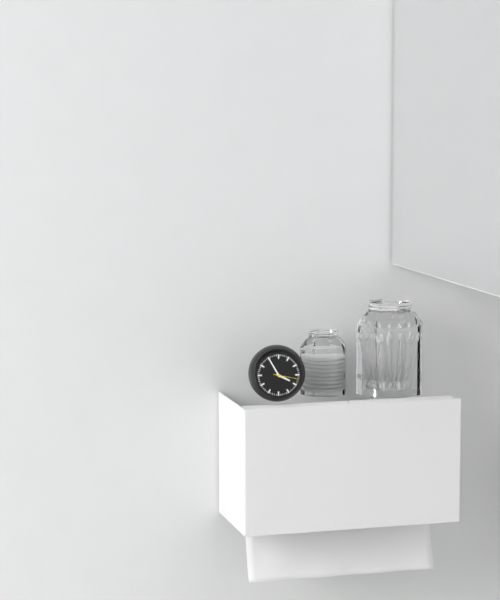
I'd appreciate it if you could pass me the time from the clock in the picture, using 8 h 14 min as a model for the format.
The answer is 3 h 55 min
